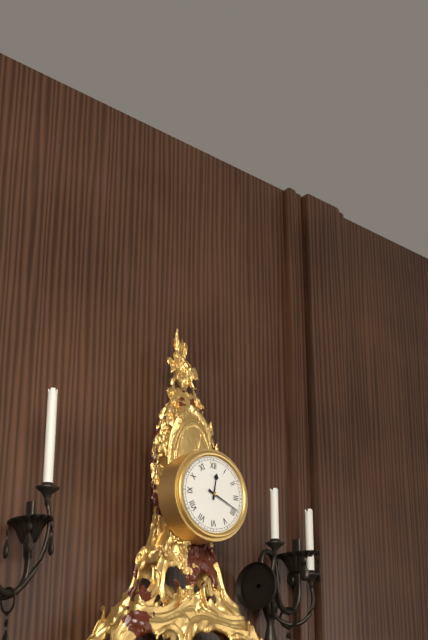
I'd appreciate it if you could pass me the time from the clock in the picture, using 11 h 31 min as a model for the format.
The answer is 12 h 19 min
